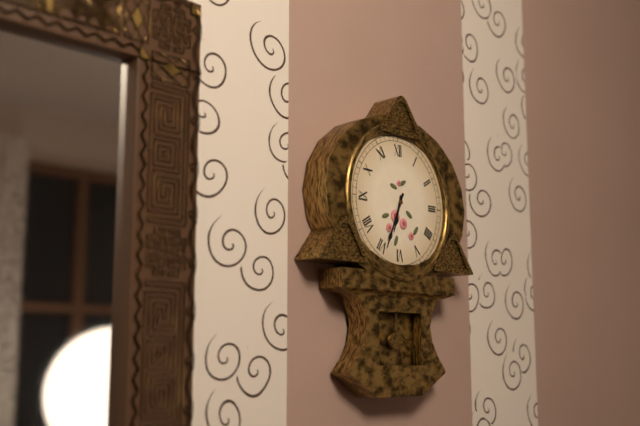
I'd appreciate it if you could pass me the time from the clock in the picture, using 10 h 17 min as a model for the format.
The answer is 6 h 34 min
